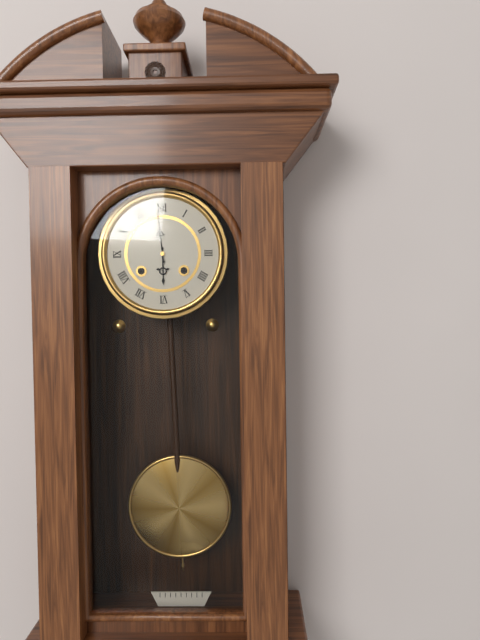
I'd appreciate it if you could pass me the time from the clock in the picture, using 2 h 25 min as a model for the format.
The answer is 5 h 59 min
